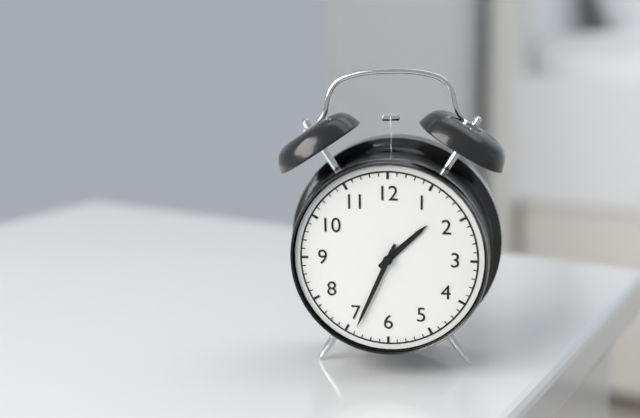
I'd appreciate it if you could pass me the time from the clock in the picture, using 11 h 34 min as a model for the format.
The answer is 1 h 34 min
